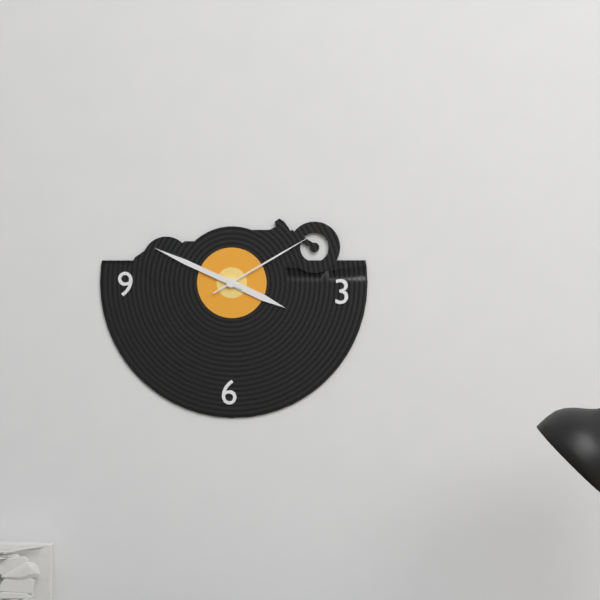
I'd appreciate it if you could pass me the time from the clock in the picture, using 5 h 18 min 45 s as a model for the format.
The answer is 3 h 49 min 10 s
